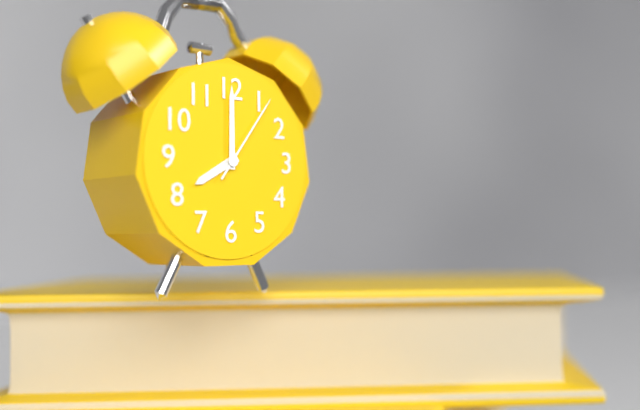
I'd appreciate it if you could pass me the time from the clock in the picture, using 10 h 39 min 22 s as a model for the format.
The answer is 8 h 00 min 06 s
